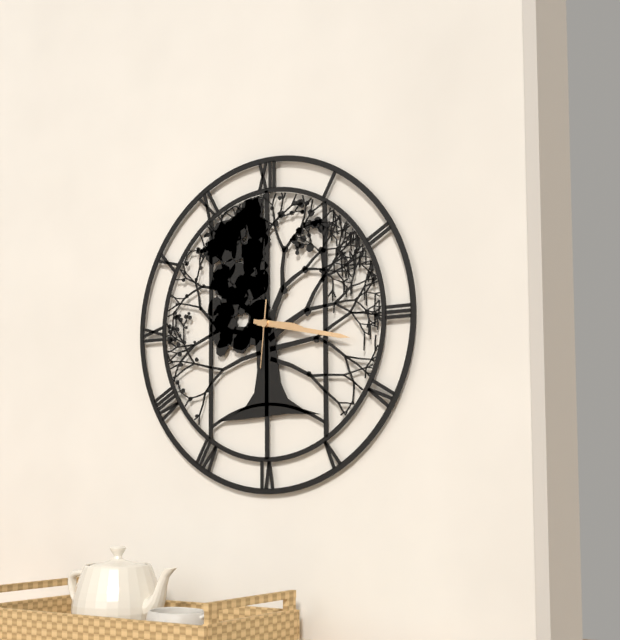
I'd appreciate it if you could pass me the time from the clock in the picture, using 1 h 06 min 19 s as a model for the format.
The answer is 3 h 17 min 31 s
